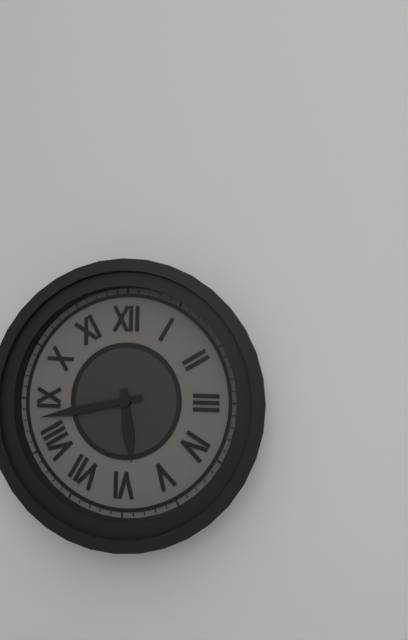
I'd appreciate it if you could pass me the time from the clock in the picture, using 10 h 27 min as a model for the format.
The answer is 5 h 43 min
